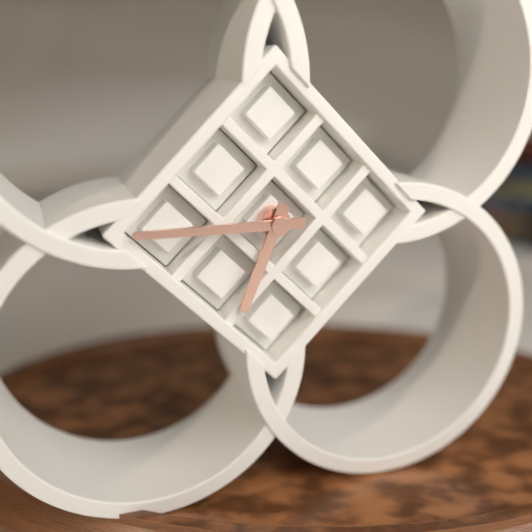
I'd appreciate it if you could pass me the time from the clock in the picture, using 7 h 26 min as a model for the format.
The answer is 6 h 45 min
